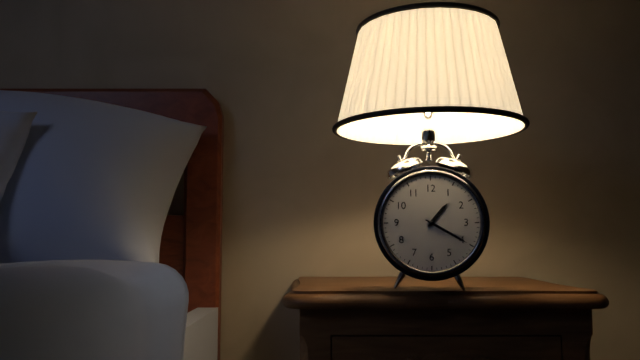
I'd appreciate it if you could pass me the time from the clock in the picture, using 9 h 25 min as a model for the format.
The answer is 1 h 20 min
